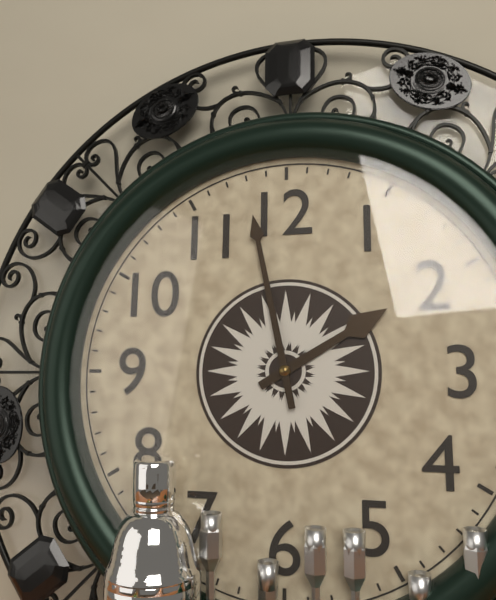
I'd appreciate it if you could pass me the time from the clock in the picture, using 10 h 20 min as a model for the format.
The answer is 1 h 58 min
